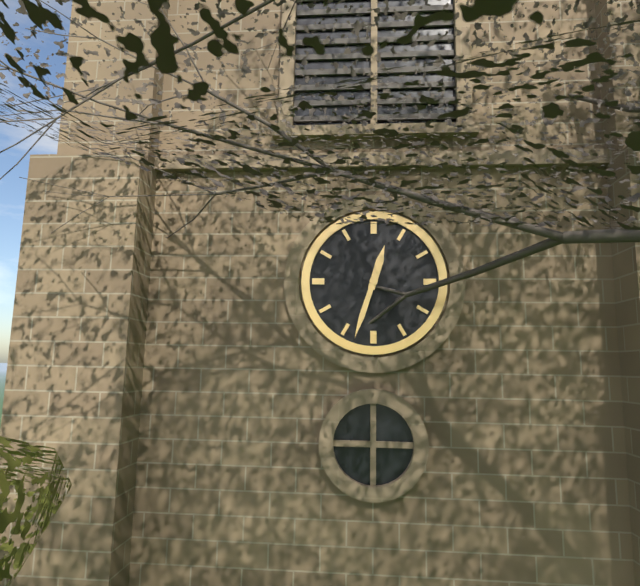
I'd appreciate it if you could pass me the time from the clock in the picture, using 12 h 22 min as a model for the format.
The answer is 12 h 33 min
